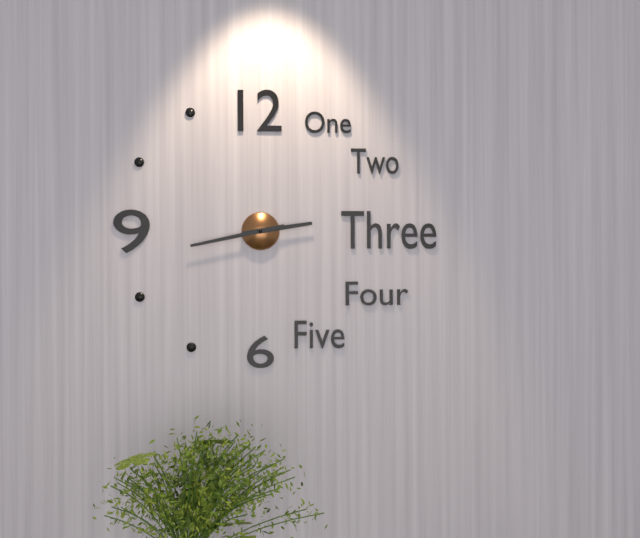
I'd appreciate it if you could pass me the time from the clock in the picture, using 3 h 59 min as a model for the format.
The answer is 2 h 43 min
